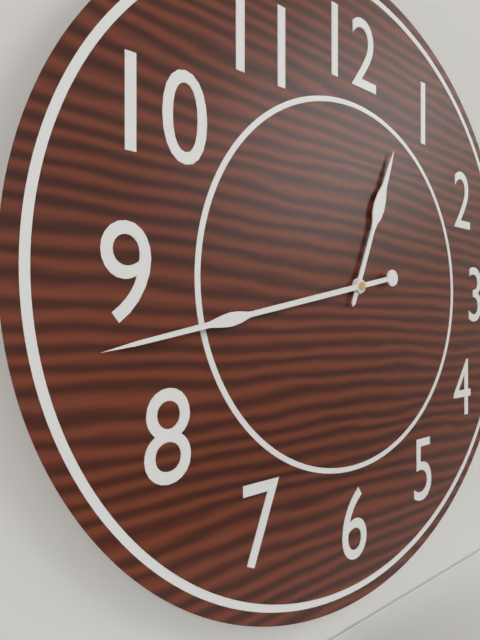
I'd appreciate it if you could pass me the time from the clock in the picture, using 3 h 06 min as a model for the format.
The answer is 12 h 43 min
